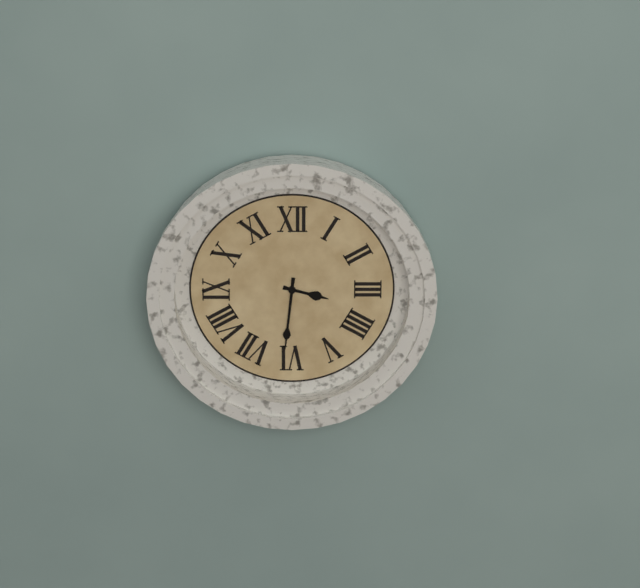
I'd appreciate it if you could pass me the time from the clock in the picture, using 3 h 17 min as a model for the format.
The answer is 3 h 31 min
